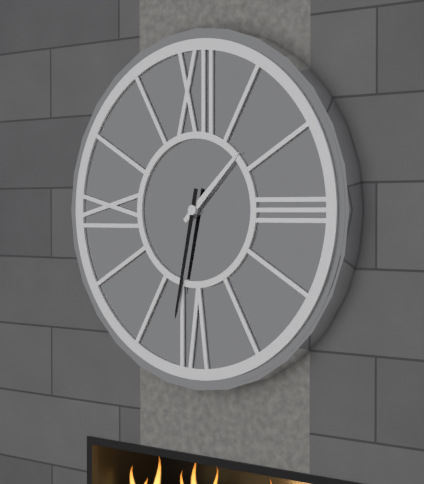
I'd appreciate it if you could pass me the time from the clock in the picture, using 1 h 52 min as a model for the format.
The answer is 1 h 32 min
